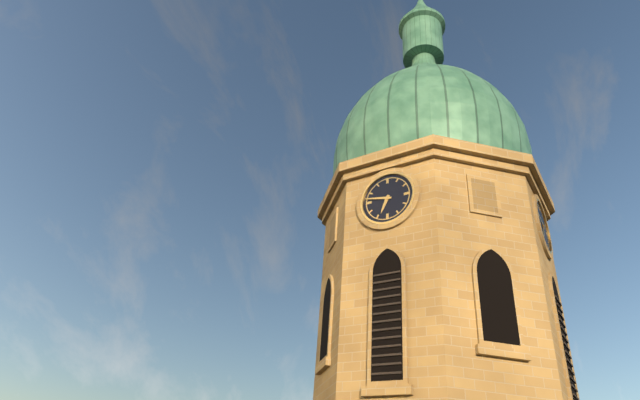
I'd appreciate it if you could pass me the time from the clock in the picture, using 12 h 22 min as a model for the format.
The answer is 6 h 47 min
